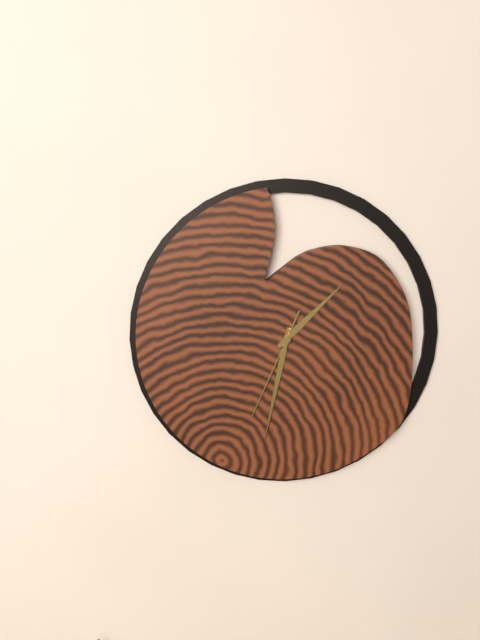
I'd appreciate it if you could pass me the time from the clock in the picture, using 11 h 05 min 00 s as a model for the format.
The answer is 1 h 32 min 34 s
